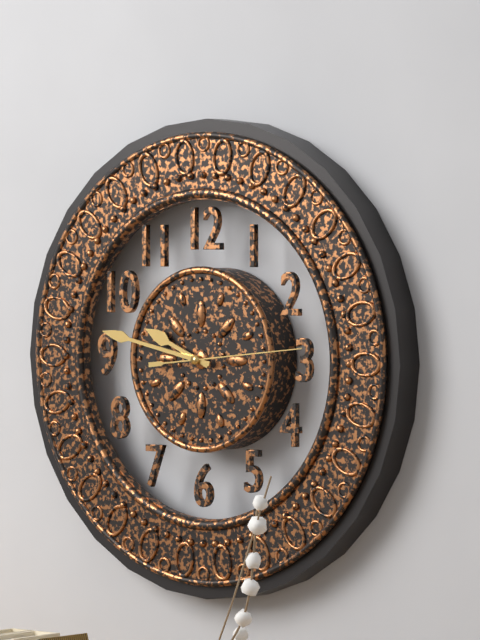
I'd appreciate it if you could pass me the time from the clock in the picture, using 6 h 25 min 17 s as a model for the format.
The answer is 9 h 47 min 14 s
